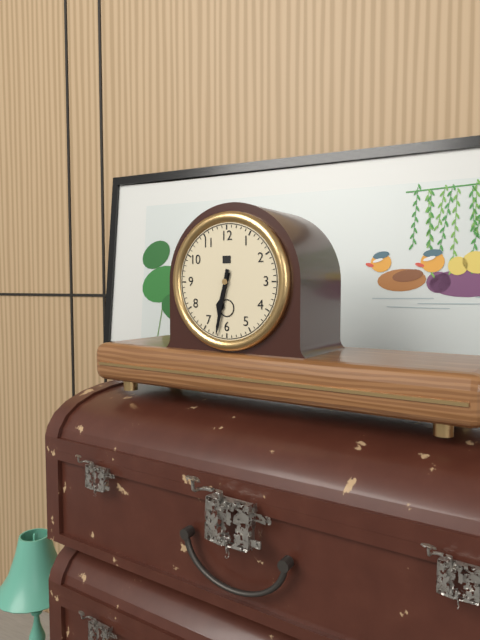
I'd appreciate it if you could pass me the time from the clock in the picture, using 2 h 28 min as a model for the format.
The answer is 6 h 32 min
